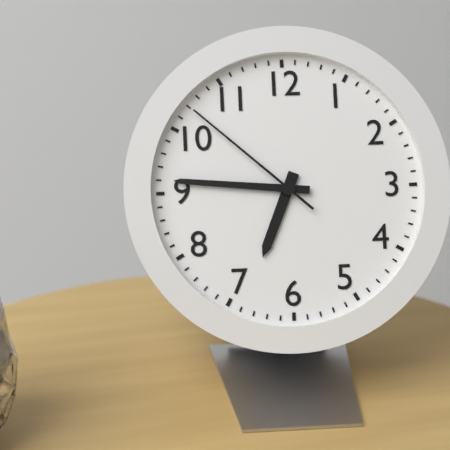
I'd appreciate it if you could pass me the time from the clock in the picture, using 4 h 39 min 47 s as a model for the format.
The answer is 6 h 46 min 52 s
